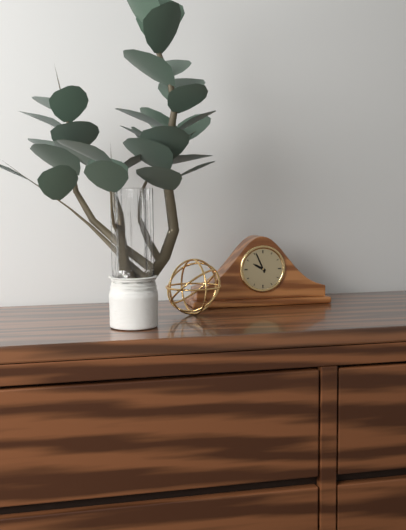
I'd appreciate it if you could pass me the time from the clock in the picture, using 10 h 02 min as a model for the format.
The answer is 9 h 56 min
